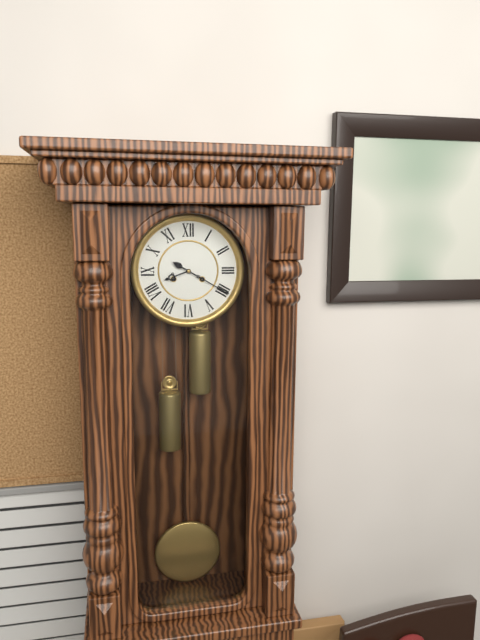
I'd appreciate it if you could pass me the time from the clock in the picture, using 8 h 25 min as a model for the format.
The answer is 8 h 20 min
